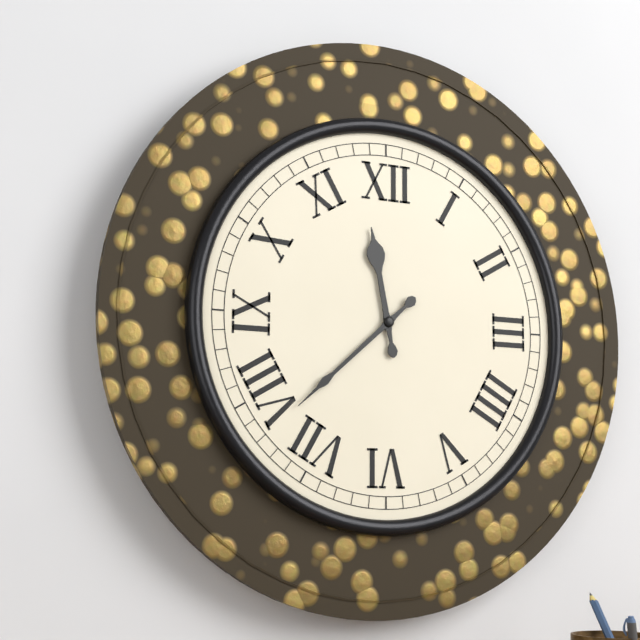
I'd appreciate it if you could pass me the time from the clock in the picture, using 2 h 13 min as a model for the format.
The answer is 11 h 38 min
